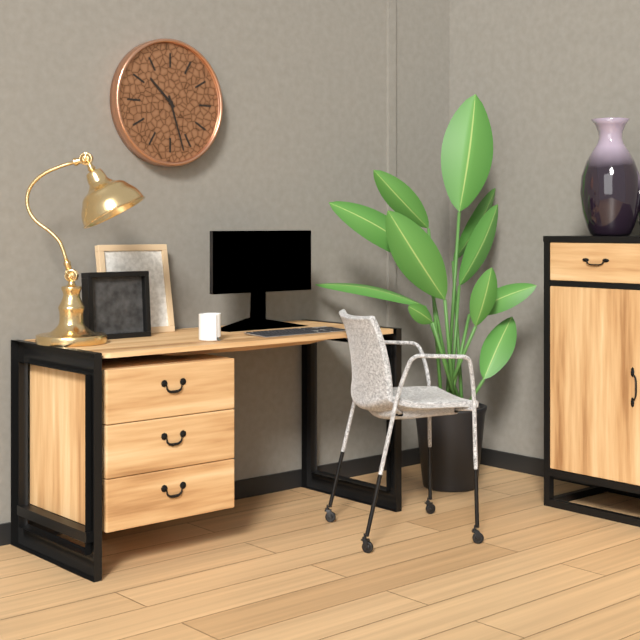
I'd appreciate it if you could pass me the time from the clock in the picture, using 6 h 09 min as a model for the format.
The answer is 10 h 27 min
